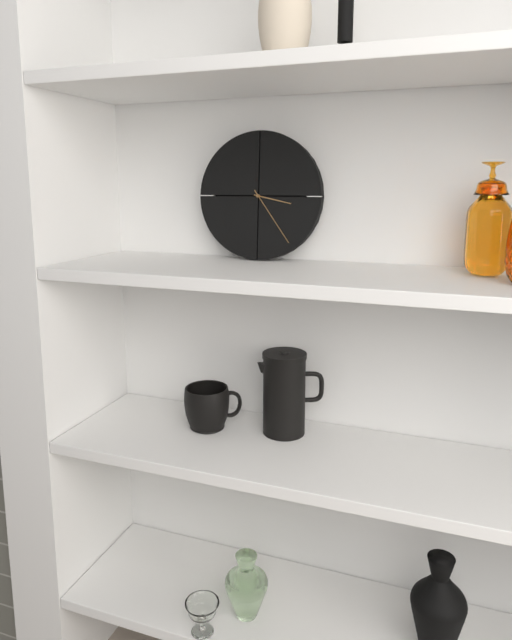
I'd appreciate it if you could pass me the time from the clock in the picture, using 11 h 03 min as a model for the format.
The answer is 3 h 24 min
